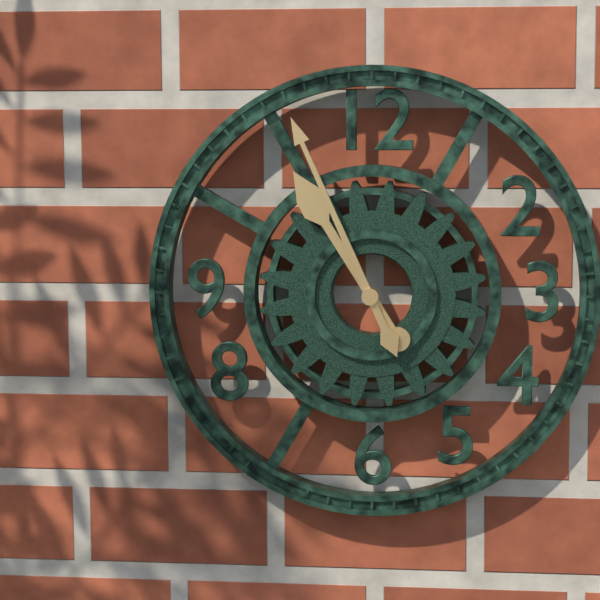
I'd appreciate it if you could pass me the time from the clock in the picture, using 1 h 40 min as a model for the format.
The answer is 10 h 56 min
